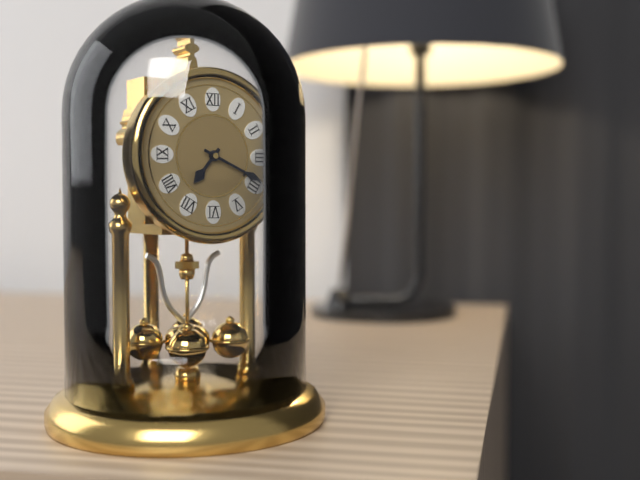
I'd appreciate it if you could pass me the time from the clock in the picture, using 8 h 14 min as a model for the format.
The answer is 7 h 19 min
